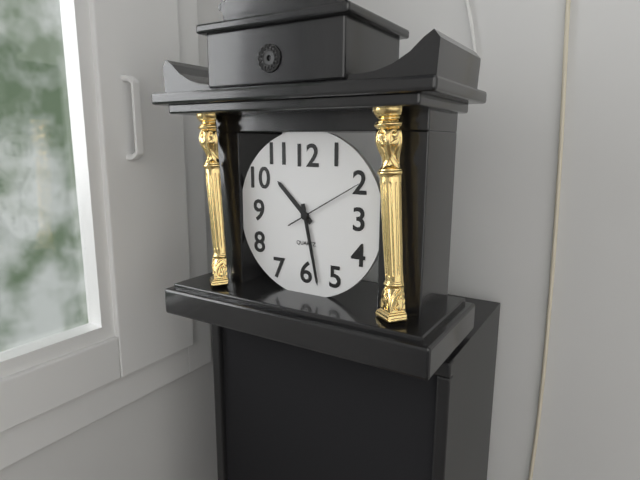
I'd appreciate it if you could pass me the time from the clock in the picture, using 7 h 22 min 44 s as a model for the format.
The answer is 10 h 28 min 10 s
